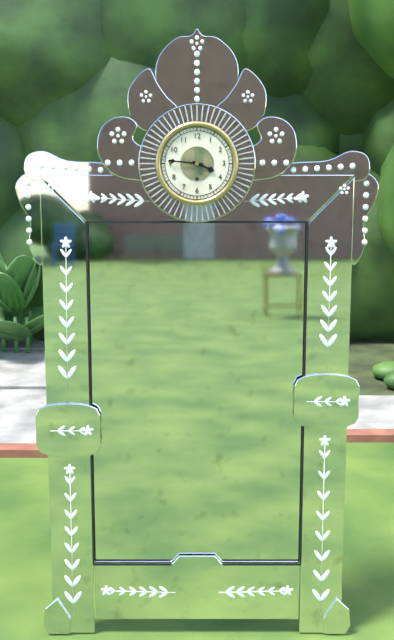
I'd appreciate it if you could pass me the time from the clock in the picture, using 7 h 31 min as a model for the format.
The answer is 3 h 46 min
